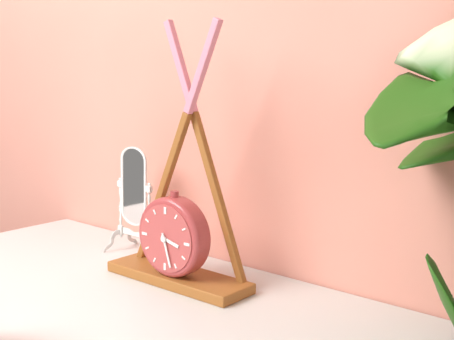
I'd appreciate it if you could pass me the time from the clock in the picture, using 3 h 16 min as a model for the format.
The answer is 3 h 27 min
